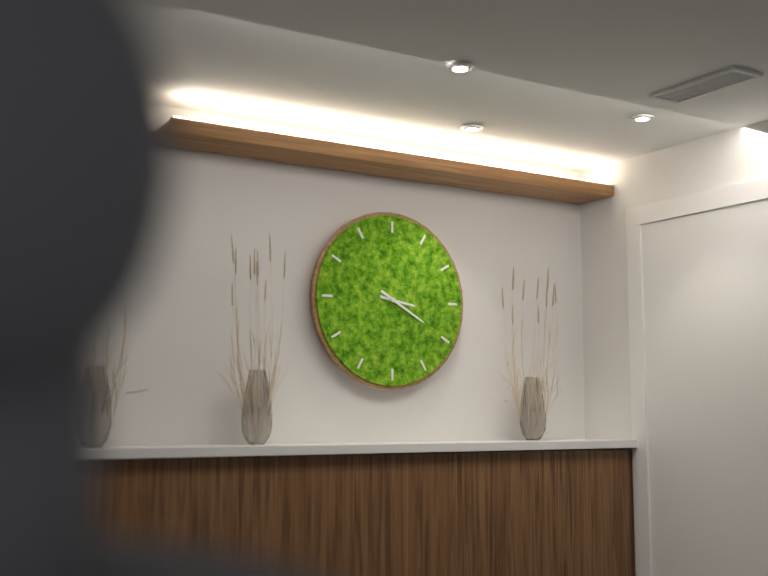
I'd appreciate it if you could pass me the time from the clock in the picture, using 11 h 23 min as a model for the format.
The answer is 3 h 20 min
